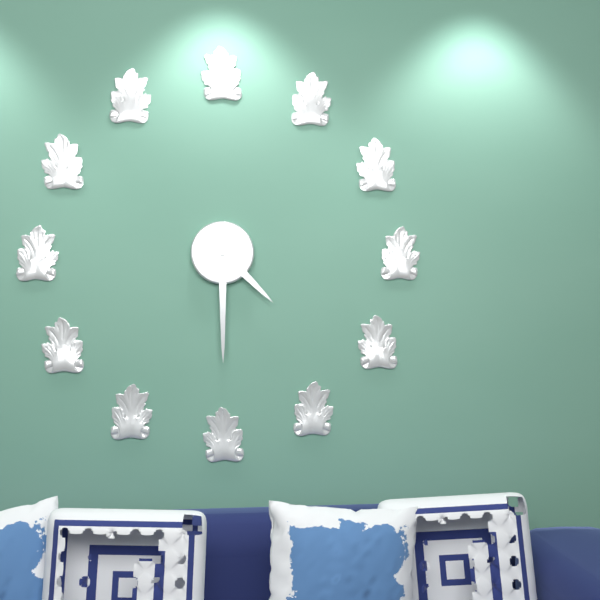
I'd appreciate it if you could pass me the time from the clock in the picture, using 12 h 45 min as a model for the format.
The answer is 4 h 30 min
